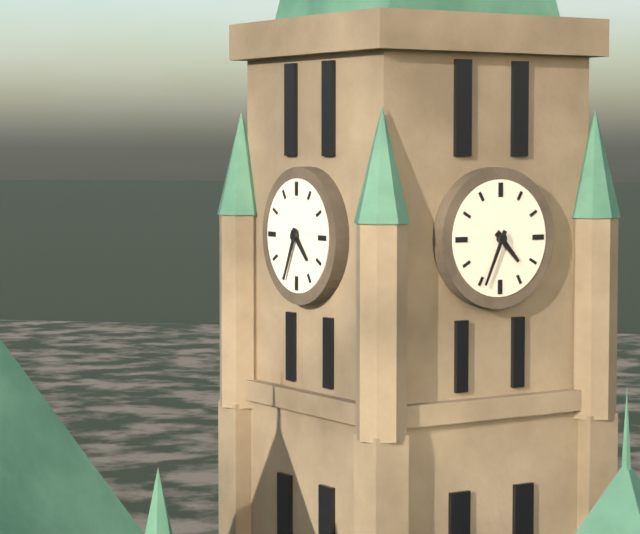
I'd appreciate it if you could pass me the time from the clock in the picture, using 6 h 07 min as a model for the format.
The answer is 4 h 34 min
